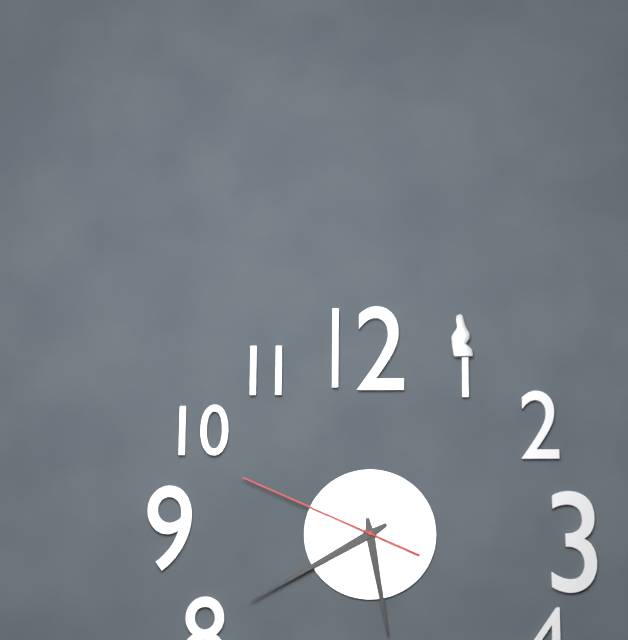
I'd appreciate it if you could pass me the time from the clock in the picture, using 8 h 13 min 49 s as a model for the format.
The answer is 5 h 40 min 49 s
